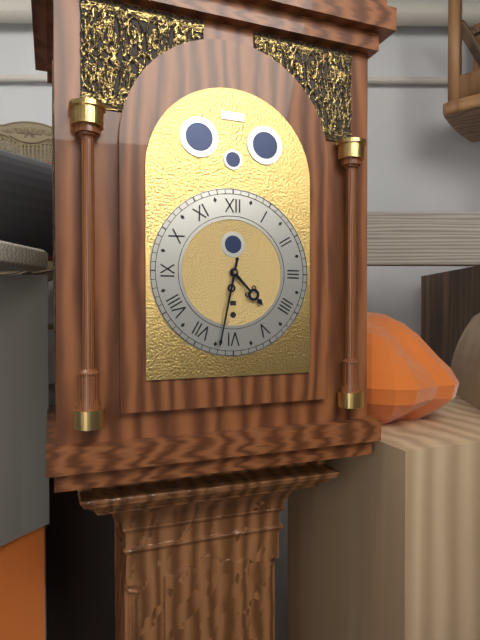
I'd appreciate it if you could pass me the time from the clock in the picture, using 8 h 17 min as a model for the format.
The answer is 4 h 32 min
